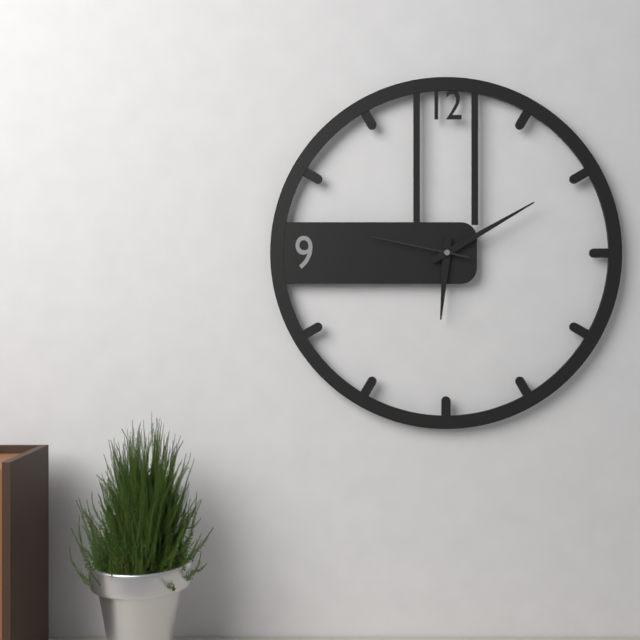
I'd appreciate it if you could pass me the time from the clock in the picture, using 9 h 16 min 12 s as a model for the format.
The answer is 6 h 10 min 47 s
